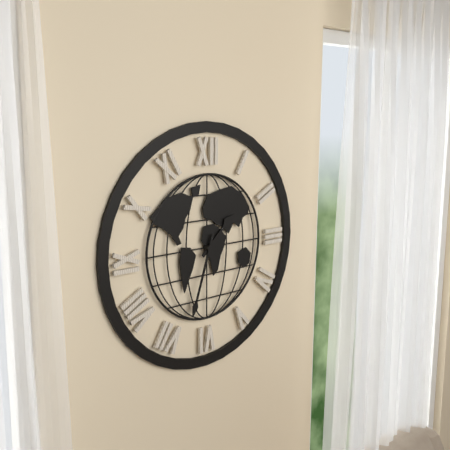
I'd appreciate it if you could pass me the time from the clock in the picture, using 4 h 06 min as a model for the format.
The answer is 1 h 33 min
